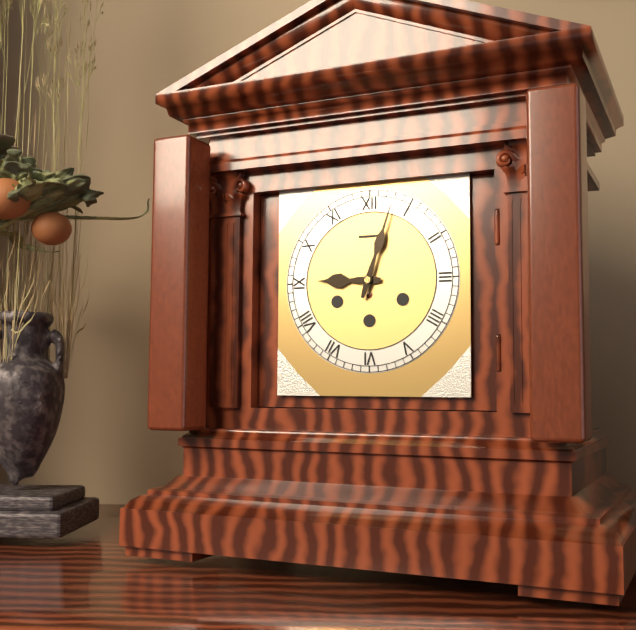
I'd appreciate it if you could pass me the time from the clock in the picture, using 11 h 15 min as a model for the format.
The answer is 9 h 03 min
